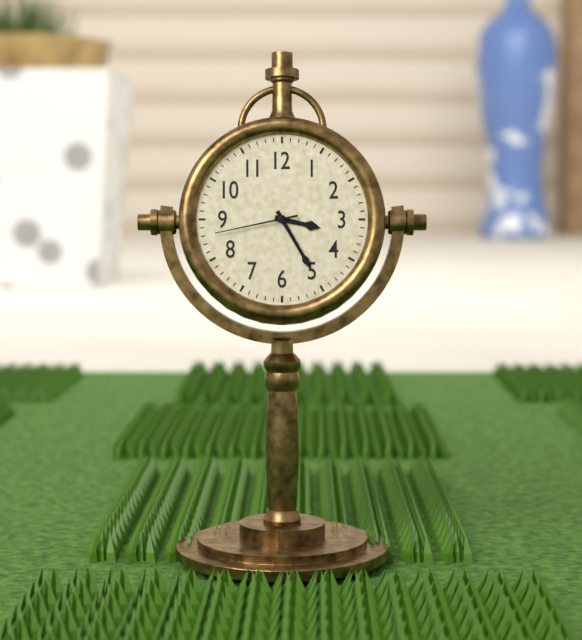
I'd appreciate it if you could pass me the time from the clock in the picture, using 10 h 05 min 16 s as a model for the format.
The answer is 3 h 25 min 43 s
